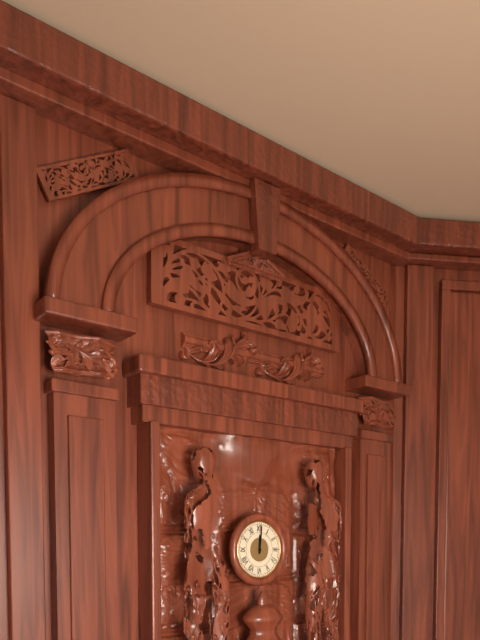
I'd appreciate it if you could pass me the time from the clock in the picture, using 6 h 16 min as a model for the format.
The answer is 12 h 01 min
